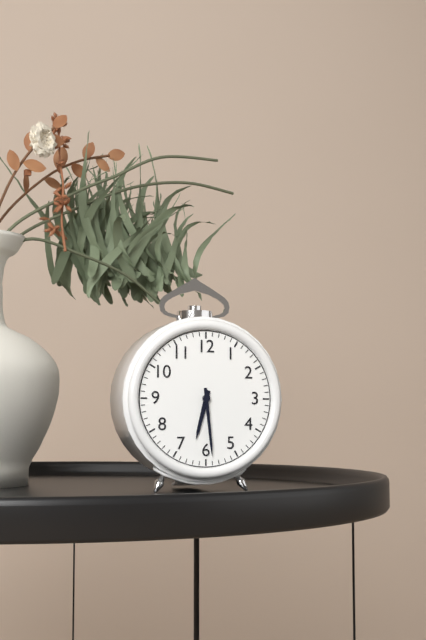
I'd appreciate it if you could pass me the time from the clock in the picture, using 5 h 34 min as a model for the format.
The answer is 6 h 29 min
